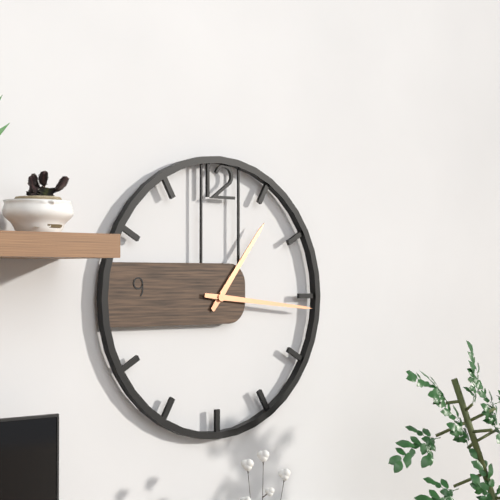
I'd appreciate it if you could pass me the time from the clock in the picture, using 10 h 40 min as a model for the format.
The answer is 1 h 16 min
